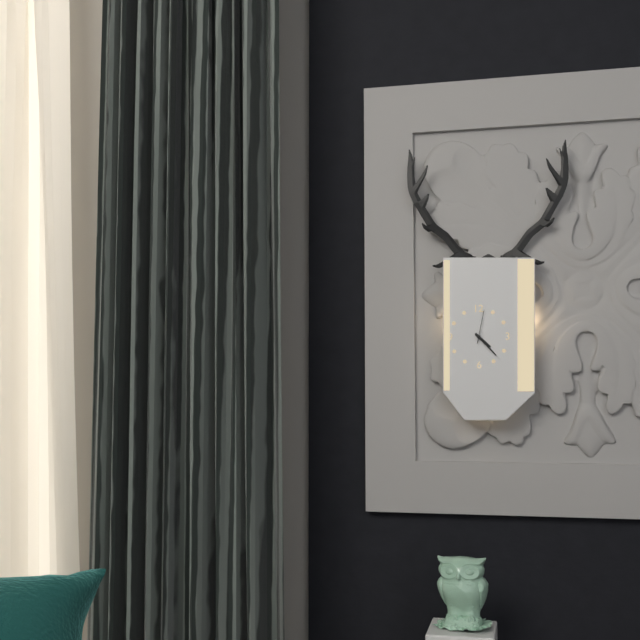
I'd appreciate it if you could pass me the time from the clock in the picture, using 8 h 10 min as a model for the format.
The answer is 4 h 23 min
